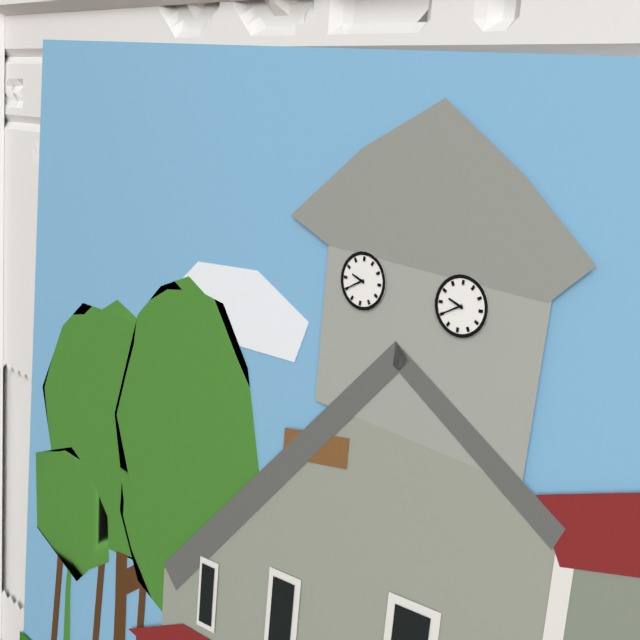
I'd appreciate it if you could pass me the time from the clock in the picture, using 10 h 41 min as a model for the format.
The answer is 9 h 40 min
